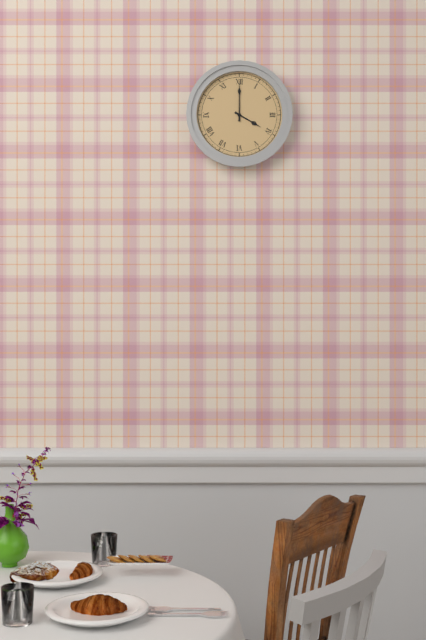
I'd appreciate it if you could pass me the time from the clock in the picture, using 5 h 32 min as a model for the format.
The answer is 4 h 00 min
